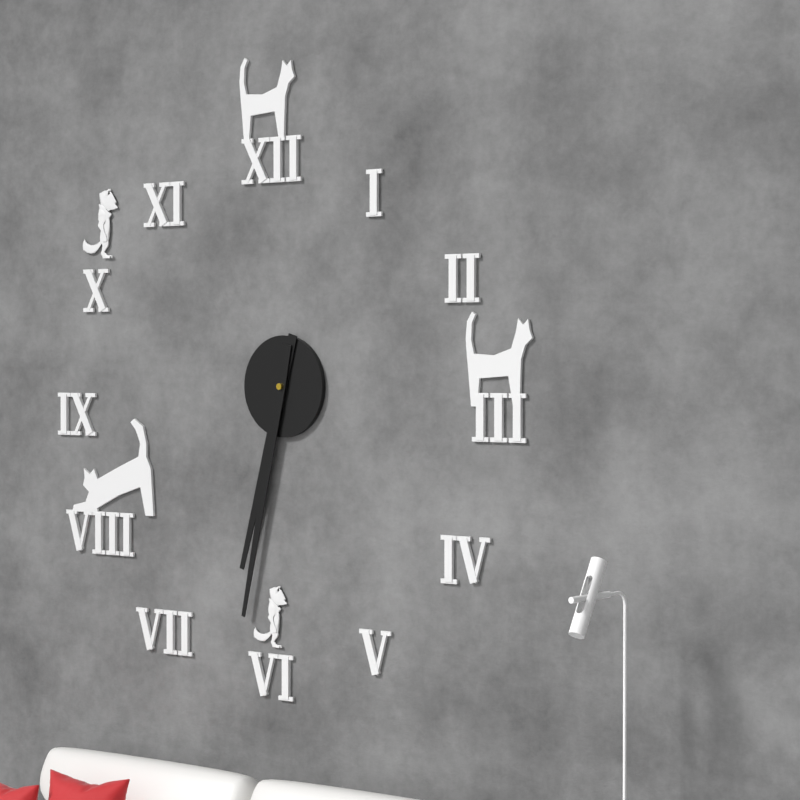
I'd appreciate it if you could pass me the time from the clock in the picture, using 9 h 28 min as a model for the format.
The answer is 6 h 32 min
